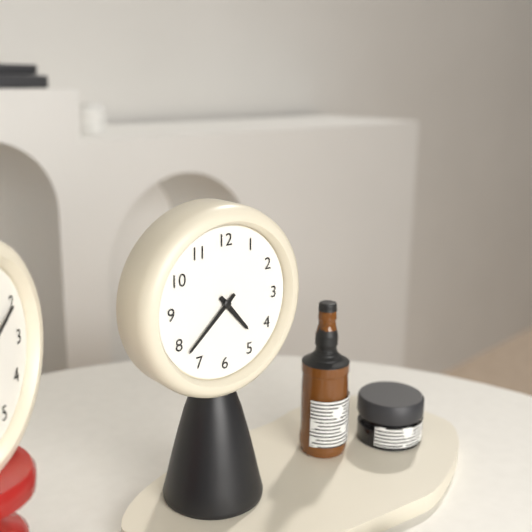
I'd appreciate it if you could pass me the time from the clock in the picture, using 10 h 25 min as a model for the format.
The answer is 4 h 38 min
